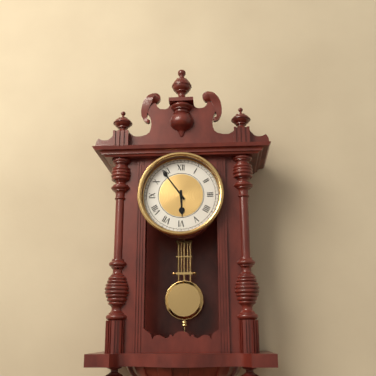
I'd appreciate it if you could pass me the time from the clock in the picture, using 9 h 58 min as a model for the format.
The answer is 5 h 54 min
